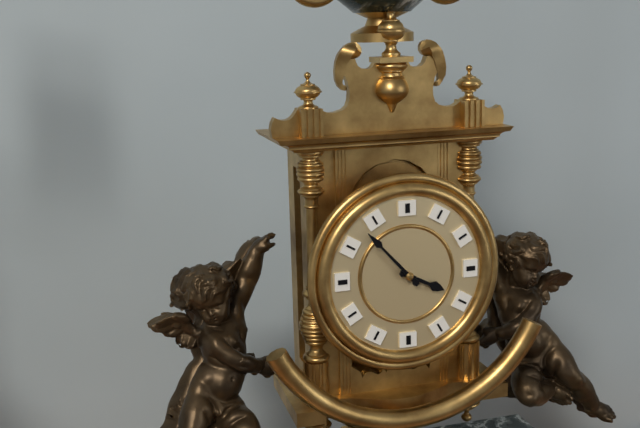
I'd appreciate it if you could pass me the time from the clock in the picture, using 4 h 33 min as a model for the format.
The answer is 3 h 53 min
